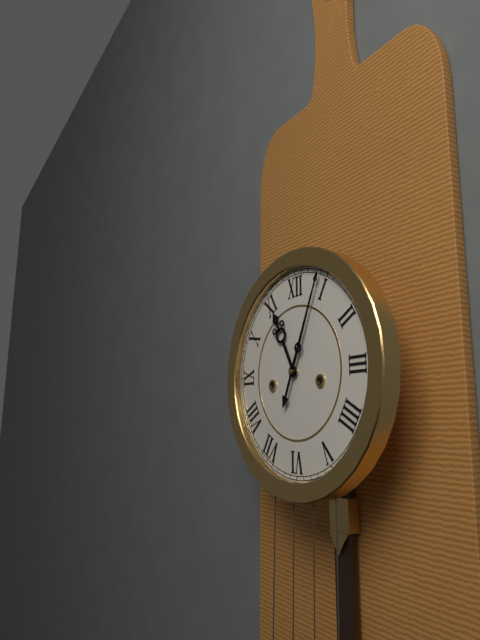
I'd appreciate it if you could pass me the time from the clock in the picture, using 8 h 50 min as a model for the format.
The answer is 11 h 04 min
